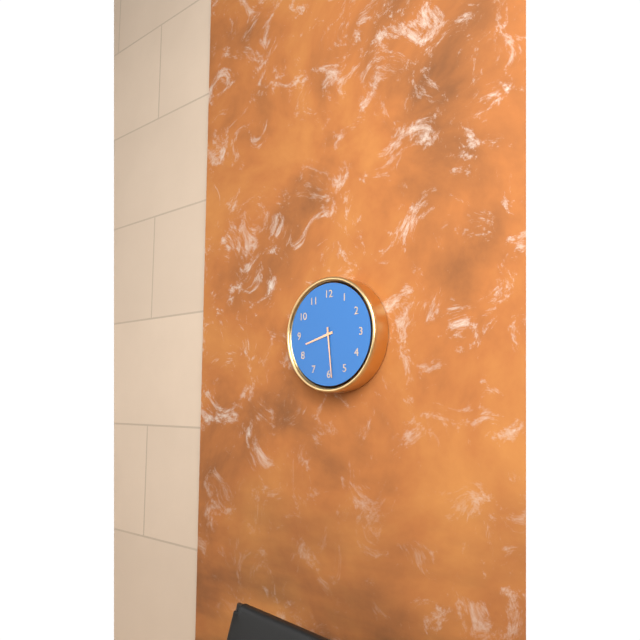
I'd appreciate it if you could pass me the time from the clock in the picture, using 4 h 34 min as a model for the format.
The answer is 8 h 29 min
